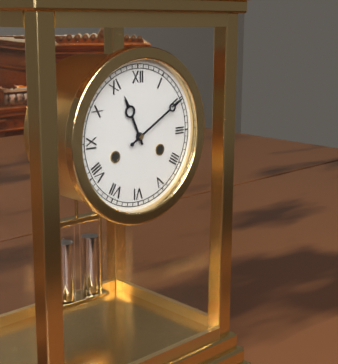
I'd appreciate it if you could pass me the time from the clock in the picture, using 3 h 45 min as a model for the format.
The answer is 11 h 10 min
